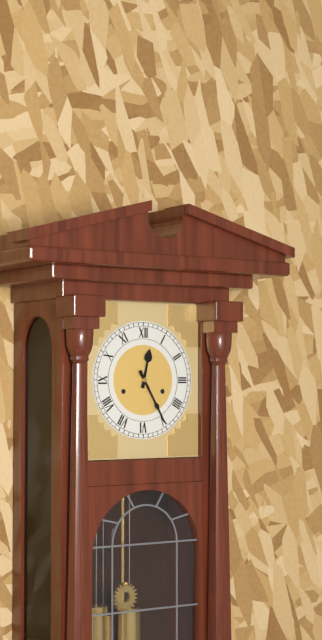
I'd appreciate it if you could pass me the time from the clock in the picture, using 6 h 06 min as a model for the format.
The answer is 12 h 25 min
